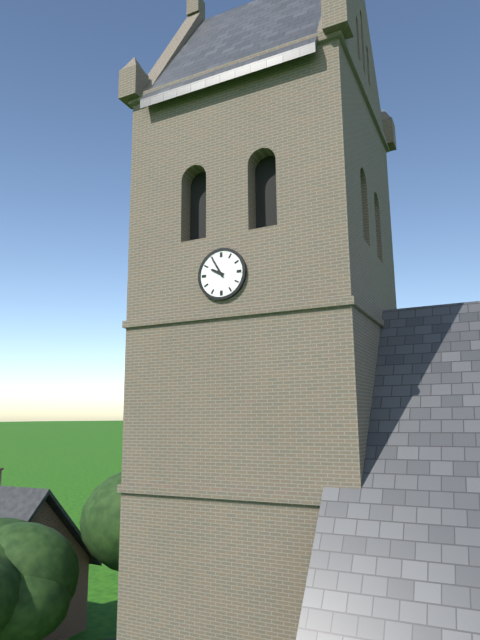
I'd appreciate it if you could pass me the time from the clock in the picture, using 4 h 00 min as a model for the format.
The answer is 9 h 55 min
